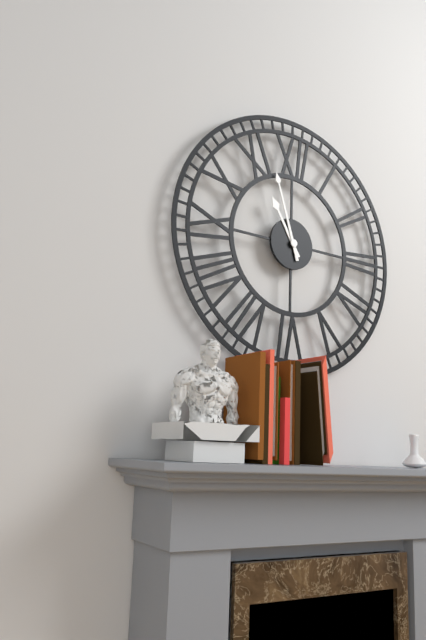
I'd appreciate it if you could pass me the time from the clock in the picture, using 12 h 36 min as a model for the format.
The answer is 10 h 57 min
